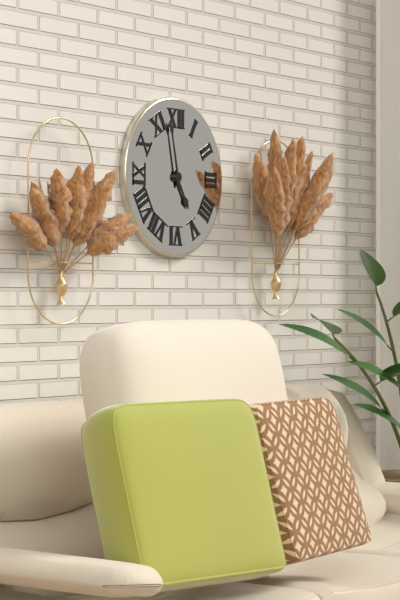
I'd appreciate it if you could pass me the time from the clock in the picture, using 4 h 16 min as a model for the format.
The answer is 4 h 58 min
